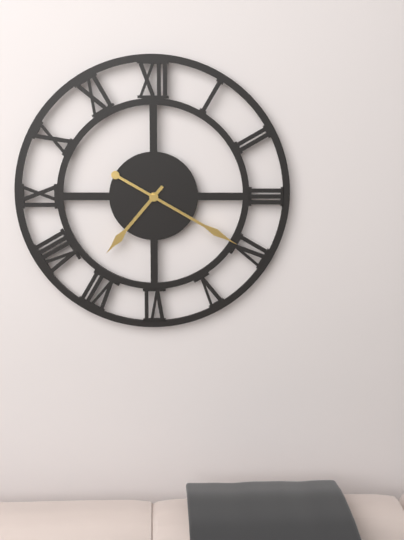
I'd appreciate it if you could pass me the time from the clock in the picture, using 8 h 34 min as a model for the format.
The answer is 7 h 20 min
